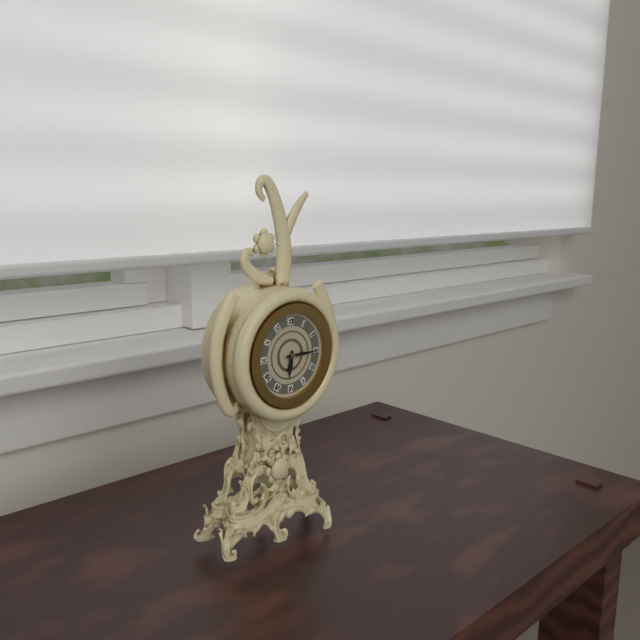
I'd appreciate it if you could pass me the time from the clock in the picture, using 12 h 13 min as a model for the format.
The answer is 6 h 15 min
